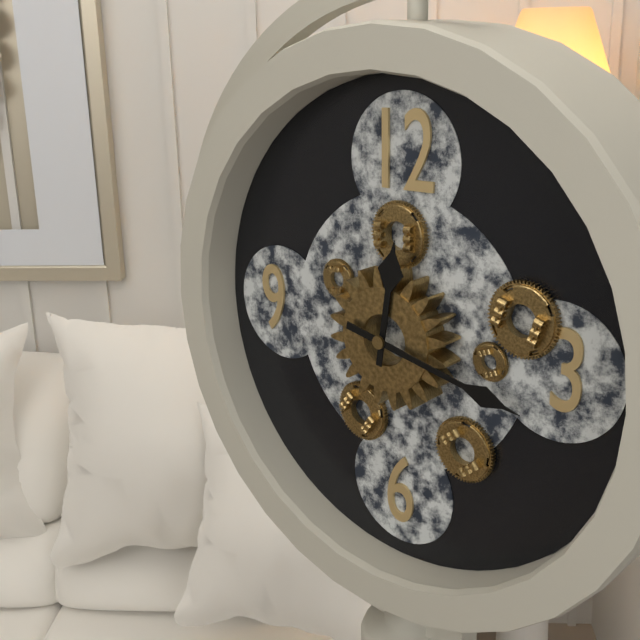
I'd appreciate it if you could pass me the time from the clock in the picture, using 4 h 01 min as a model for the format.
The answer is 12 h 17 min
